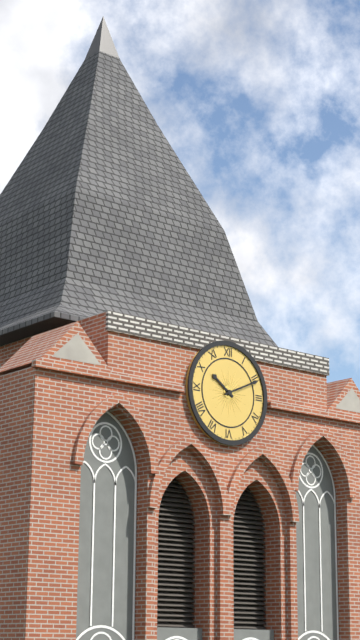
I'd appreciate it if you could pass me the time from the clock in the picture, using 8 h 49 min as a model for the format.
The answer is 10 h 11 min
